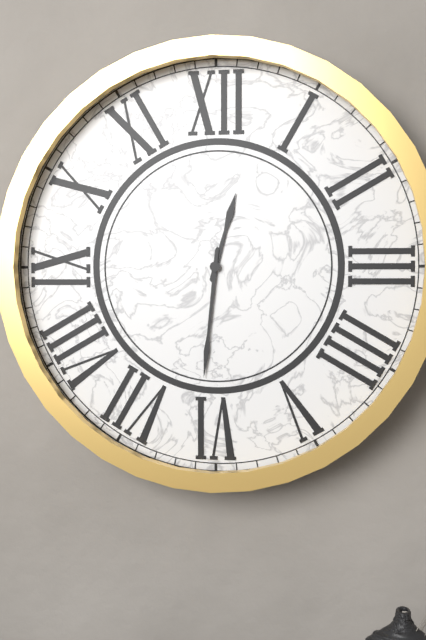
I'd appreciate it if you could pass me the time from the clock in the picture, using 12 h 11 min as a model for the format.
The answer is 12 h 31 min
